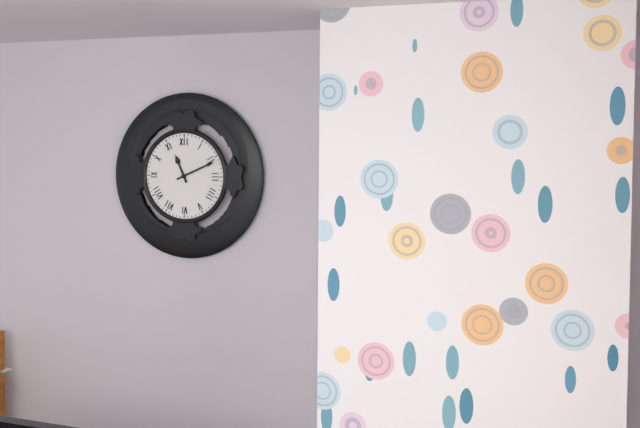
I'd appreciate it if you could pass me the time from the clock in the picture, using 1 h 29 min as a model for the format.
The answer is 11 h 11 min
